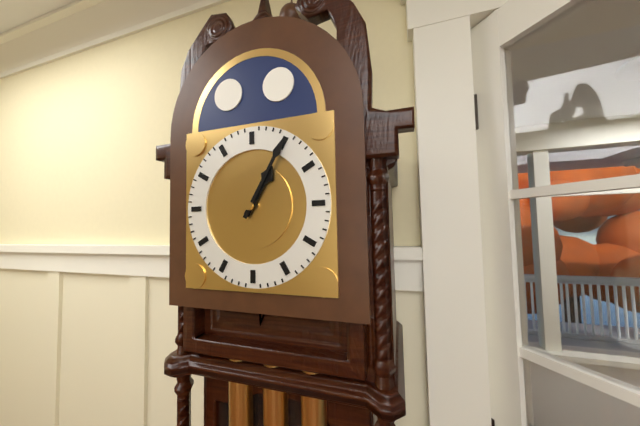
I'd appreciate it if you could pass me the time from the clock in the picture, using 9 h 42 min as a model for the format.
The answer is 1 h 05 min
